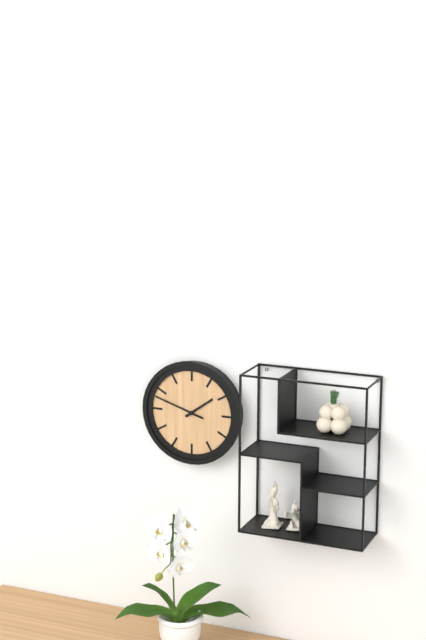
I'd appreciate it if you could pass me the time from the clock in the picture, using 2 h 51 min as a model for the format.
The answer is 1 h 48 min
